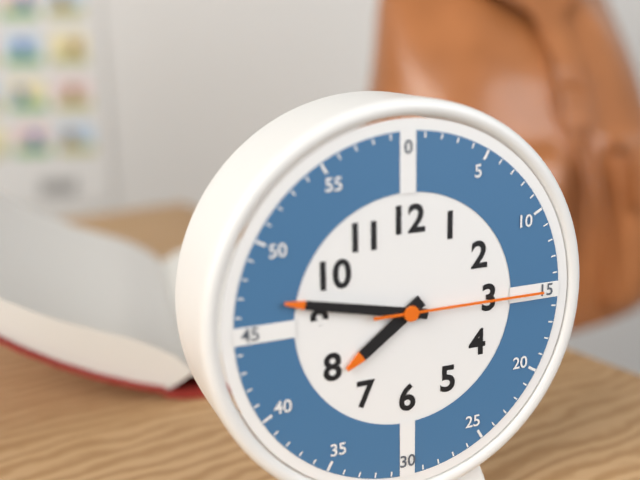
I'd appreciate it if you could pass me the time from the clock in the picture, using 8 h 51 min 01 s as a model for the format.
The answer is 7 h 47 min 15 s
